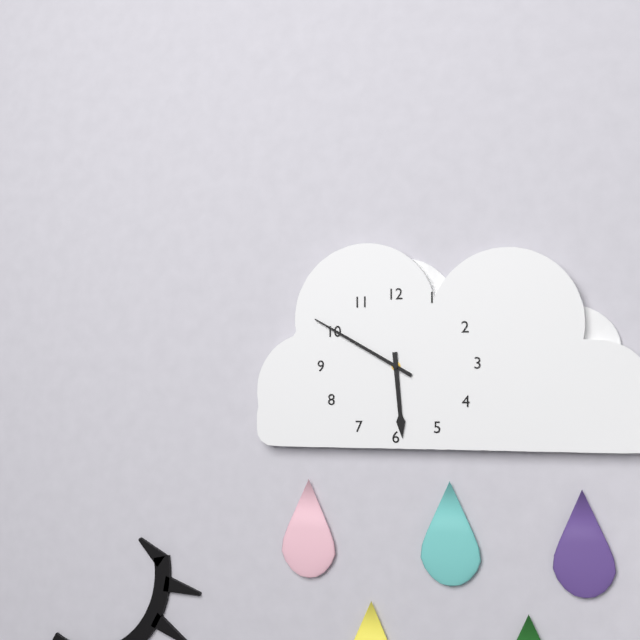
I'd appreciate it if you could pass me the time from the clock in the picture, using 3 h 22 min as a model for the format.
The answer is 5 h 50 min
